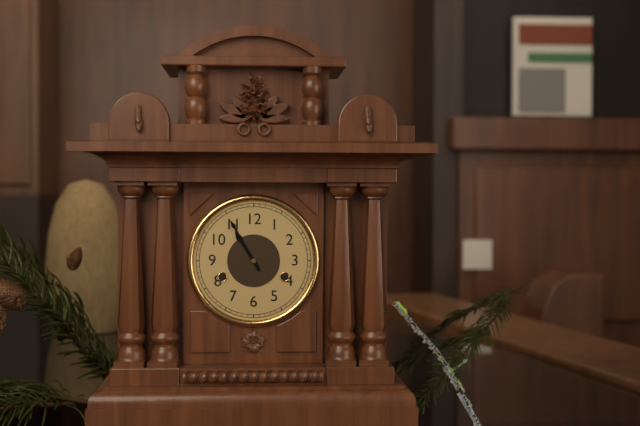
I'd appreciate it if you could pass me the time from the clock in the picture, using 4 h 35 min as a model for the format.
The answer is 10 h 55 min
